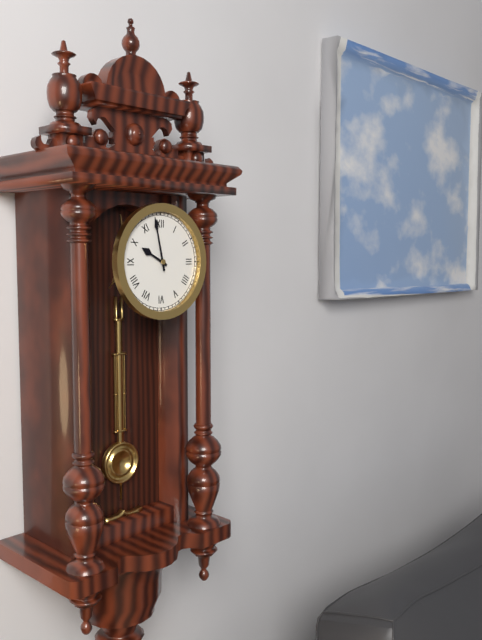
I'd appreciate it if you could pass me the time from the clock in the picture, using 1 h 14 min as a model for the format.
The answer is 9 h 58 min
